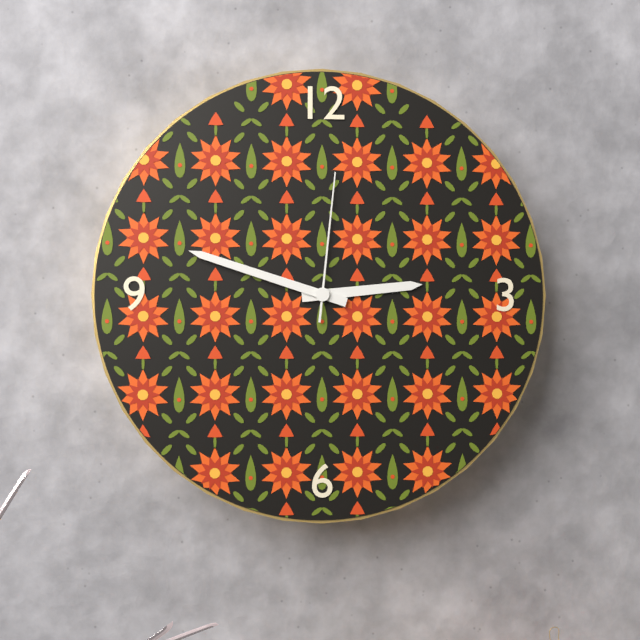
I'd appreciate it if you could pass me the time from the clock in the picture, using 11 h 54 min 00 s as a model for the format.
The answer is 2 h 48 min 01 s
